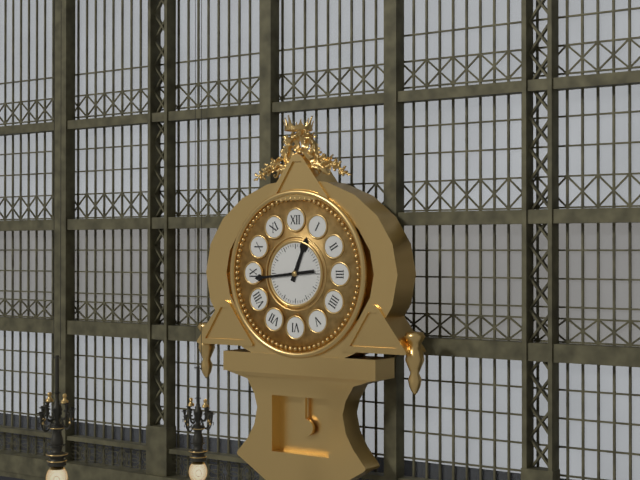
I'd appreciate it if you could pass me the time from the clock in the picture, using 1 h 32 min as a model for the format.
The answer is 12 h 44 min
